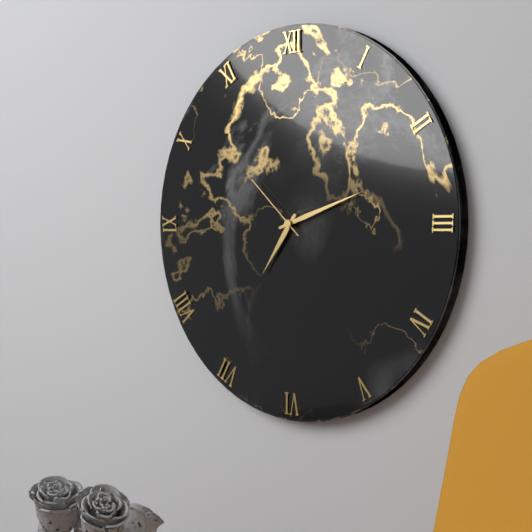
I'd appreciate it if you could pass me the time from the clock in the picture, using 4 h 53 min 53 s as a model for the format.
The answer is 7 h 12 min 52 s
